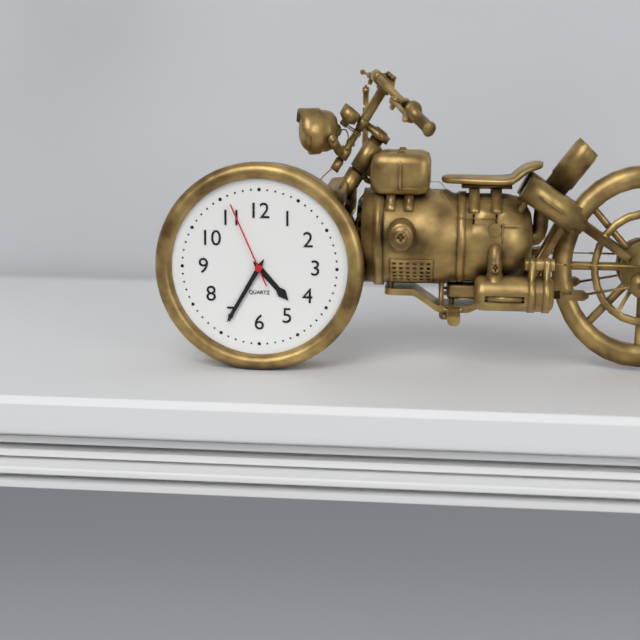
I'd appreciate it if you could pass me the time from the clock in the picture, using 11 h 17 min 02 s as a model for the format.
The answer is 4 h 35 min 56 s
